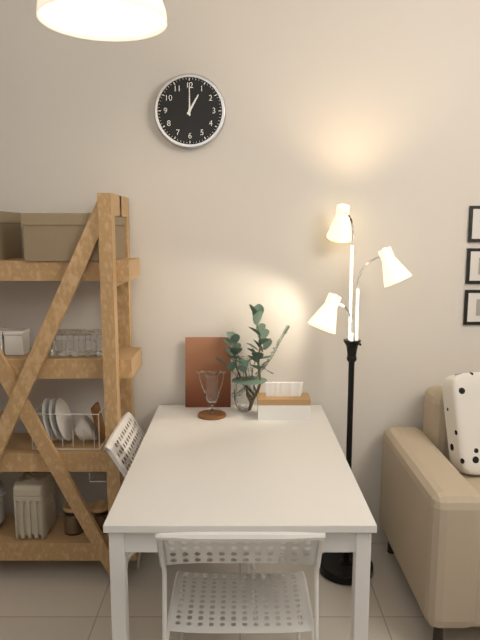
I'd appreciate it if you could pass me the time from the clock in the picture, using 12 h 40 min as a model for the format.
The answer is 1 h 00 min
